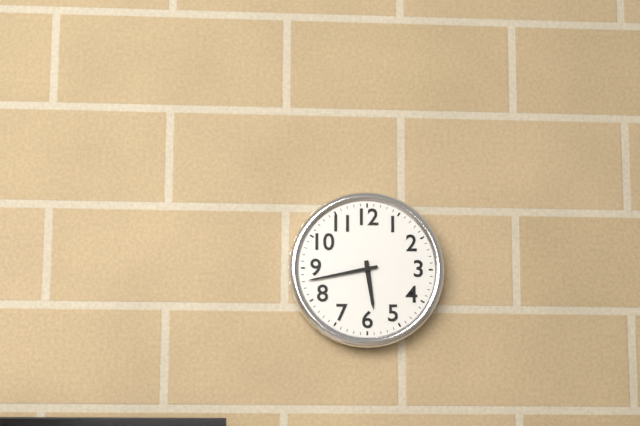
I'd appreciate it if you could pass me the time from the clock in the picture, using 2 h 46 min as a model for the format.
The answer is 5 h 43 min
